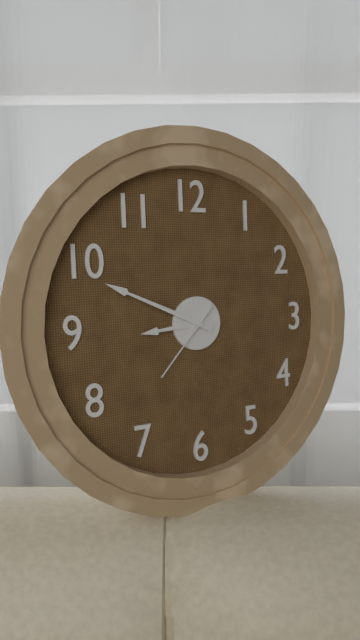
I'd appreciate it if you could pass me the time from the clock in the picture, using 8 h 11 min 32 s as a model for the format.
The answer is 8 h 49 min 37 s
